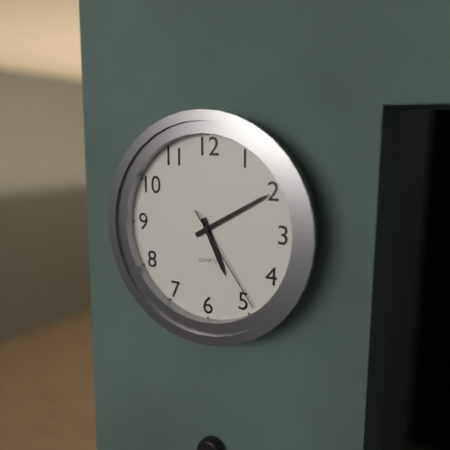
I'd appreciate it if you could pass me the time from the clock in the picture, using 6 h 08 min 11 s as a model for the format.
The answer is 5 h 10 min 24 s
